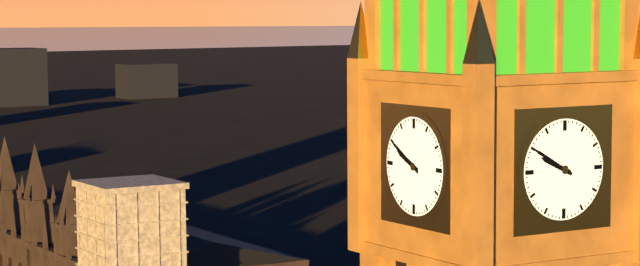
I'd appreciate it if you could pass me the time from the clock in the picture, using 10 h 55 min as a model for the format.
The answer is 9 h 50 min
